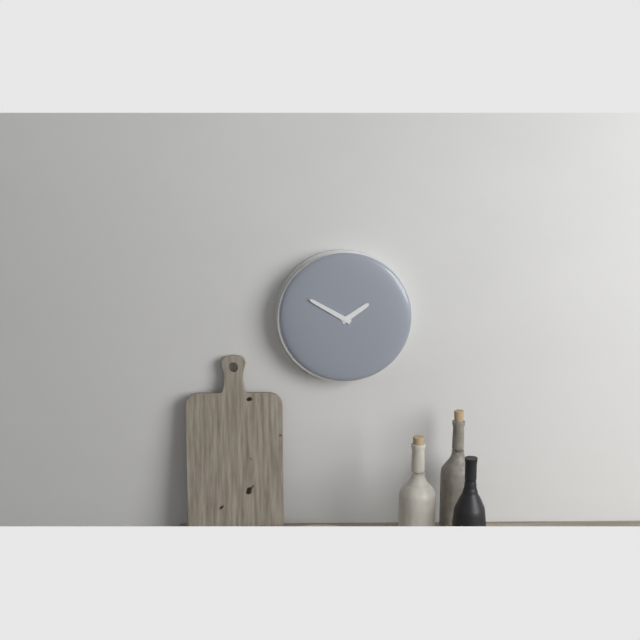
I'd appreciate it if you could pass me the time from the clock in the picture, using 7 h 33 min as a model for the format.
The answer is 1 h 50 min
